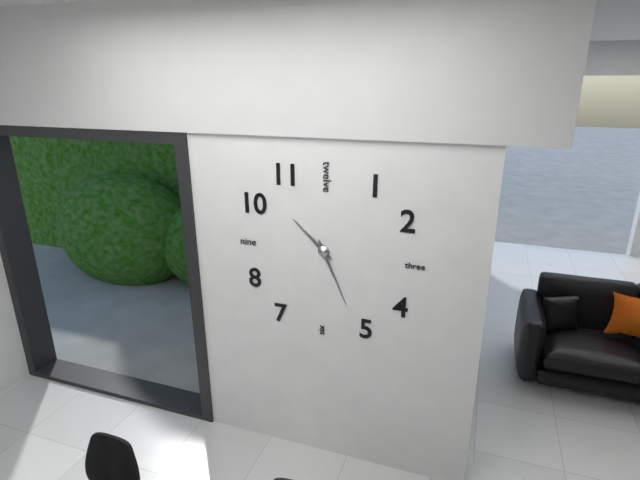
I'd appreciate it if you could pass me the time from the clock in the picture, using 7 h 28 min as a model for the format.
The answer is 10 h 26 min
